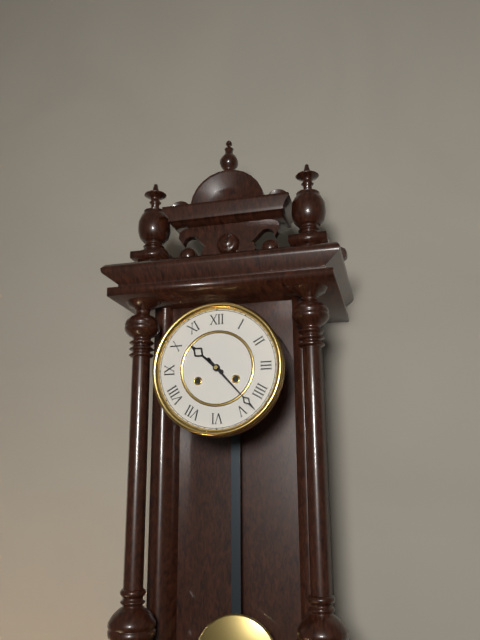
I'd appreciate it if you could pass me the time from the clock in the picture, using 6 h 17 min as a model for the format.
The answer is 10 h 23 min
